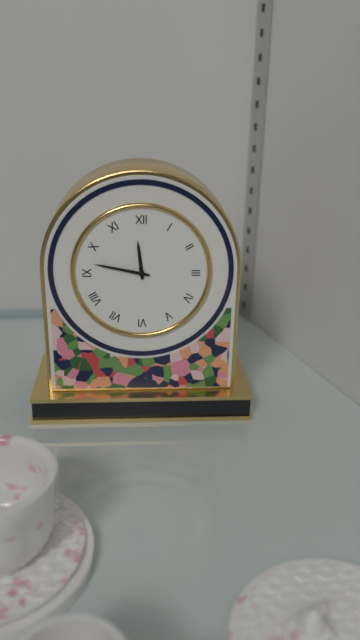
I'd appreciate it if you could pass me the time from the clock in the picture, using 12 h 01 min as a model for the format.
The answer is 11 h 47 min
